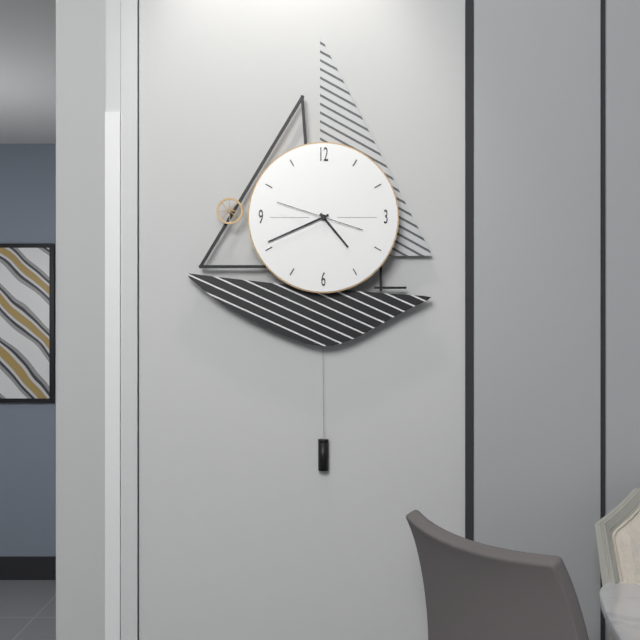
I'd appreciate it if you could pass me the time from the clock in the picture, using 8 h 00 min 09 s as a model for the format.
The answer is 4 h 41 min 48 s
